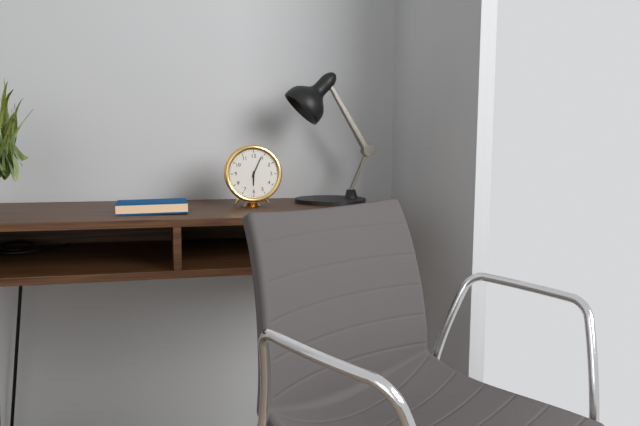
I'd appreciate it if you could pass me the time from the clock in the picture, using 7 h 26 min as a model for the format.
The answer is 6 h 04 min
